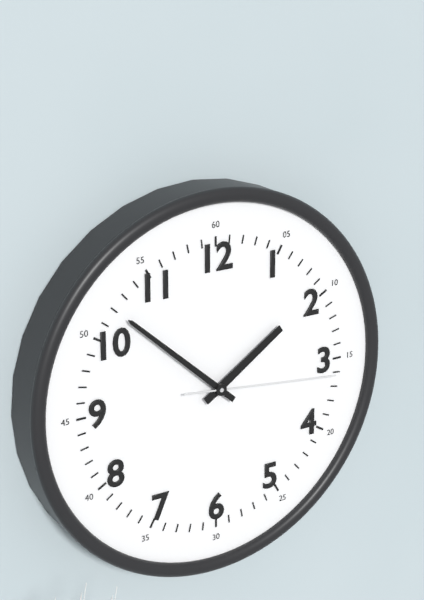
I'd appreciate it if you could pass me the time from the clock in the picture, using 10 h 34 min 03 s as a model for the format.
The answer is 1 h 52 min 16 s
